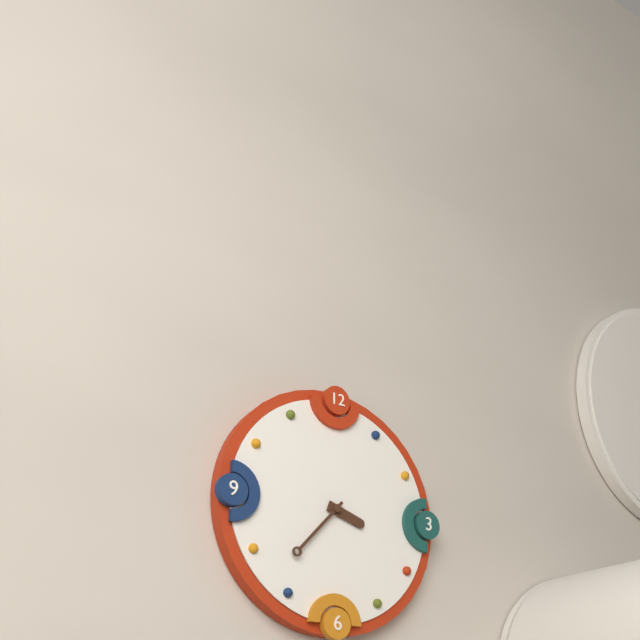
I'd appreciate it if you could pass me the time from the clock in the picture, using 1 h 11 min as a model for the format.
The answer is 3 h 37 min
